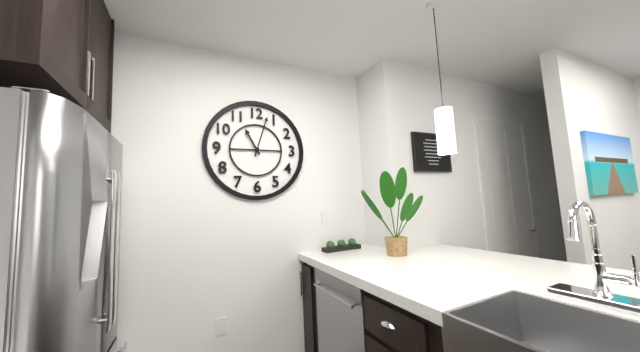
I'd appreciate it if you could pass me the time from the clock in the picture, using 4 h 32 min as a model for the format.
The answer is 11 h 03 min
